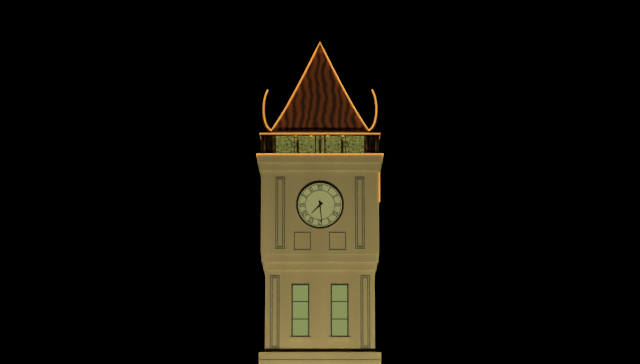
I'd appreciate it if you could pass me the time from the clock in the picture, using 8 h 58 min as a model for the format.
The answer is 7 h 29 min
